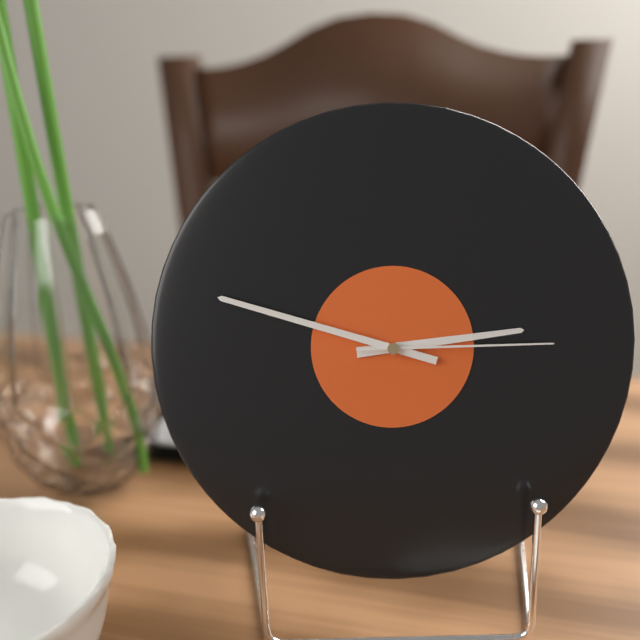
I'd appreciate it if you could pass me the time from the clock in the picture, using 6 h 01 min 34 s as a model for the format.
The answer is 2 h 48 min 15 s
